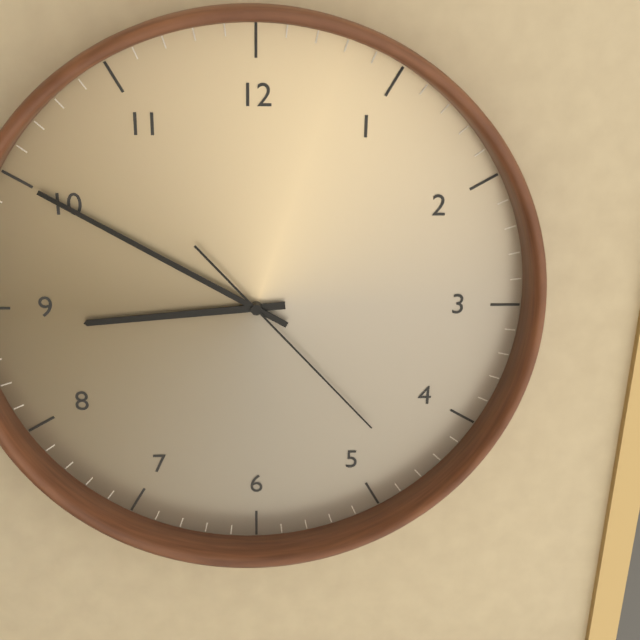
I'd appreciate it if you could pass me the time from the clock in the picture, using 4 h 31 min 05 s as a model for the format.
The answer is 8 h 50 min 23 s
